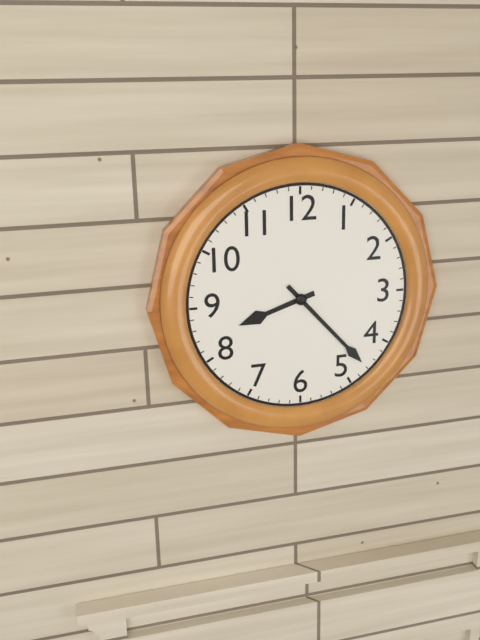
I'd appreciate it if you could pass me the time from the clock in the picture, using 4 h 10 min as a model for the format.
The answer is 8 h 23 min
